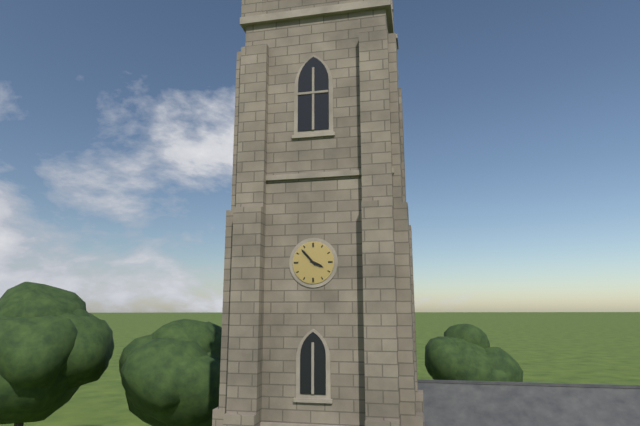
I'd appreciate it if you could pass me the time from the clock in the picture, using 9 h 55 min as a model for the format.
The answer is 3 h 53 min
